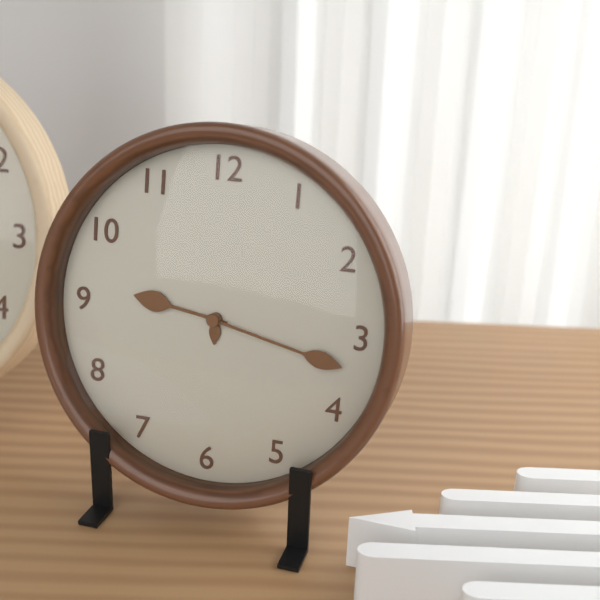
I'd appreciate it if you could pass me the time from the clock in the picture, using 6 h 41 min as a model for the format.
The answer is 9 h 17 min
